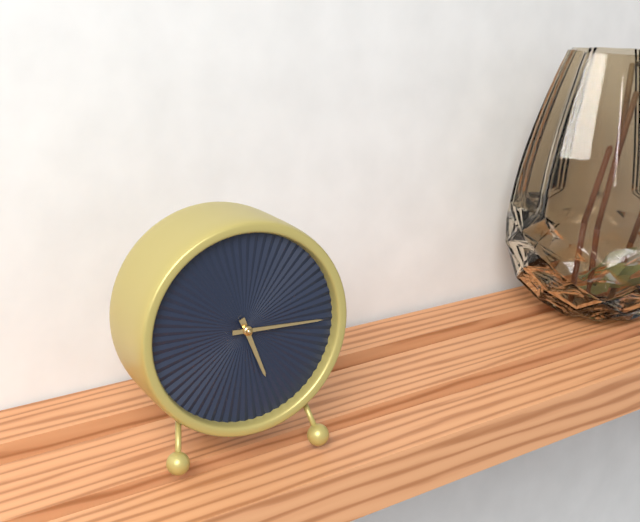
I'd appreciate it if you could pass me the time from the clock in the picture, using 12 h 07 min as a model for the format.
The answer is 5 h 15 min
